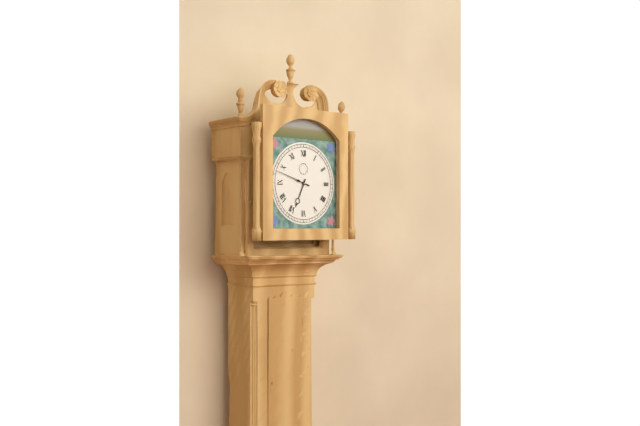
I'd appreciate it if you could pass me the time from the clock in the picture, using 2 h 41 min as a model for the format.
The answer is 6 h 48 min
